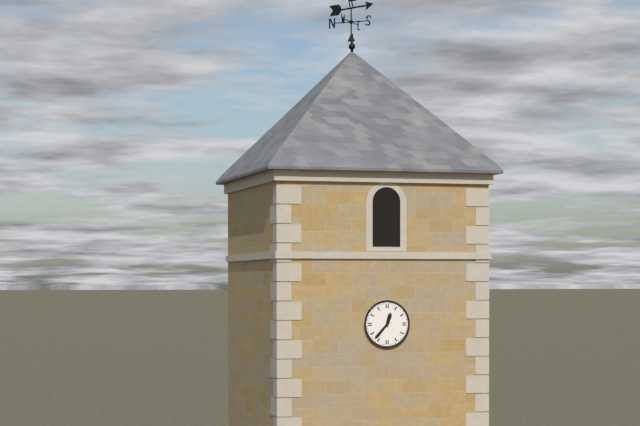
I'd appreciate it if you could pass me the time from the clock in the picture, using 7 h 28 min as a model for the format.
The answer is 12 h 37 min
